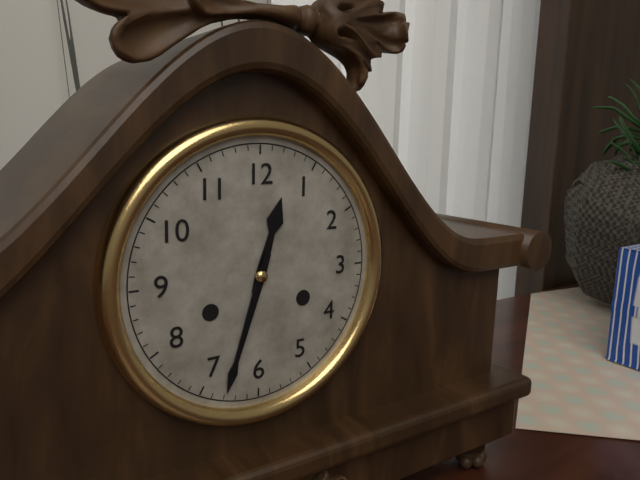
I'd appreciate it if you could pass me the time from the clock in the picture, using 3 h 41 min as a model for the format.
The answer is 12 h 33 min
